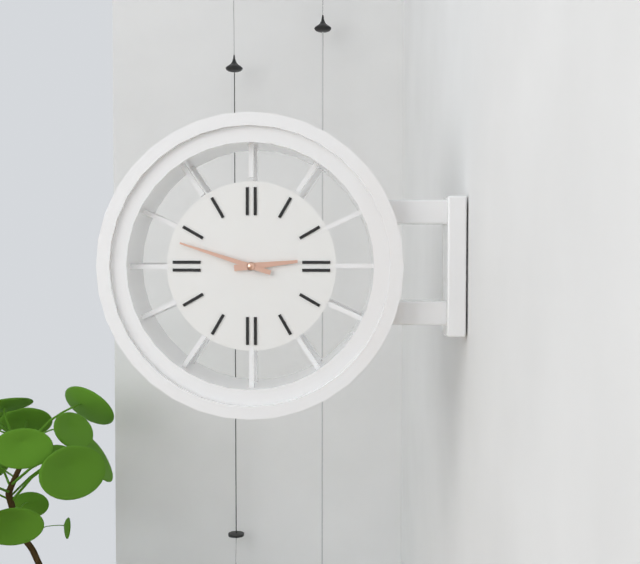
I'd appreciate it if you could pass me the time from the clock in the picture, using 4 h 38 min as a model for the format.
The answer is 2 h 48 min
